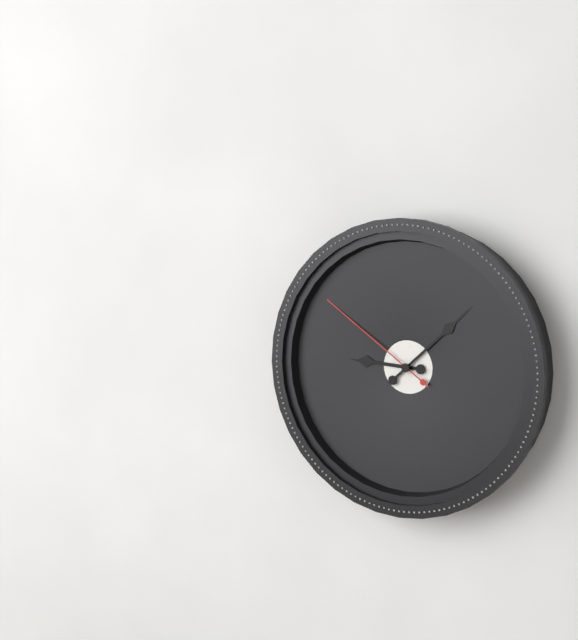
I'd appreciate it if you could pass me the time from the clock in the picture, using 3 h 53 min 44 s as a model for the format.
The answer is 9 h 08 min 51 s
